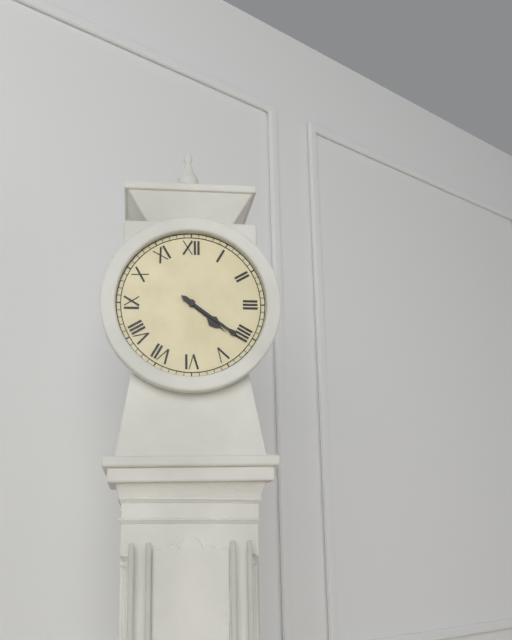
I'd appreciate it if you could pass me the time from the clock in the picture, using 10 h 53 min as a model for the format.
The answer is 4 h 21 min
